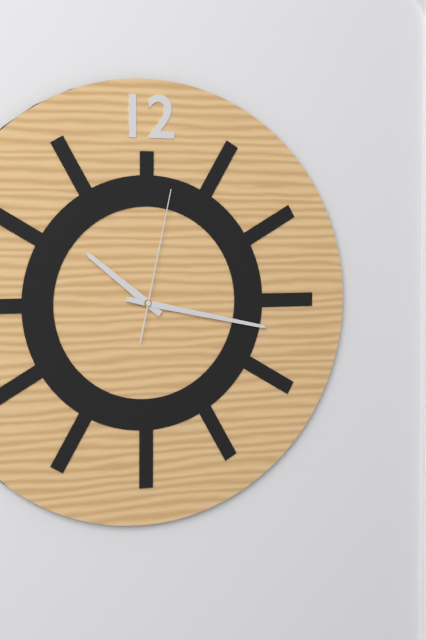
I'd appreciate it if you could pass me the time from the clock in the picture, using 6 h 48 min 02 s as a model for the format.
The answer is 10 h 17 min 02 s
